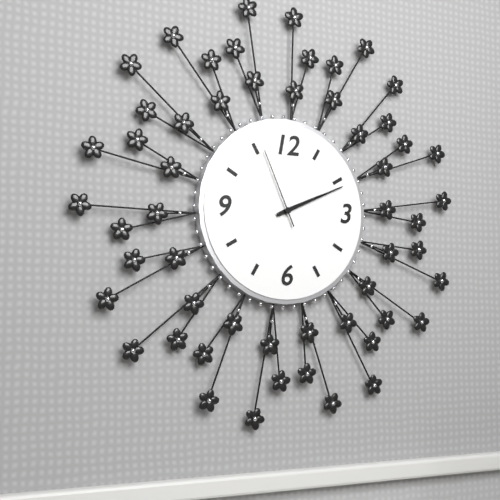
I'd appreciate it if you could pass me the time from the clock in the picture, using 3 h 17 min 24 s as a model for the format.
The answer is 2 h 11 min 56 s
